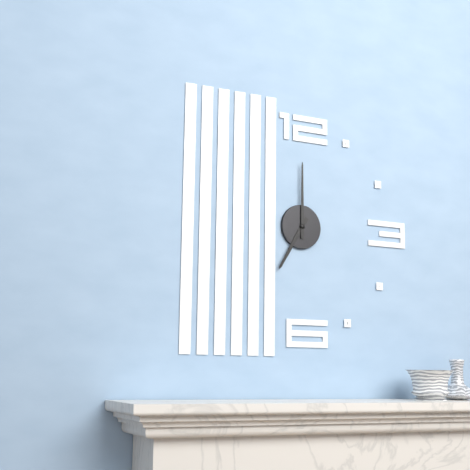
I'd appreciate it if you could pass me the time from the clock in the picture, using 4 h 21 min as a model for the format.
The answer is 7 h 00 min
